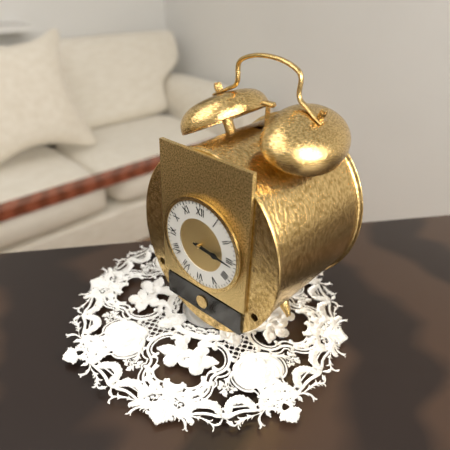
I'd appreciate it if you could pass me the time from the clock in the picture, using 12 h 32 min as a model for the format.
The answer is 3 h 16 min
